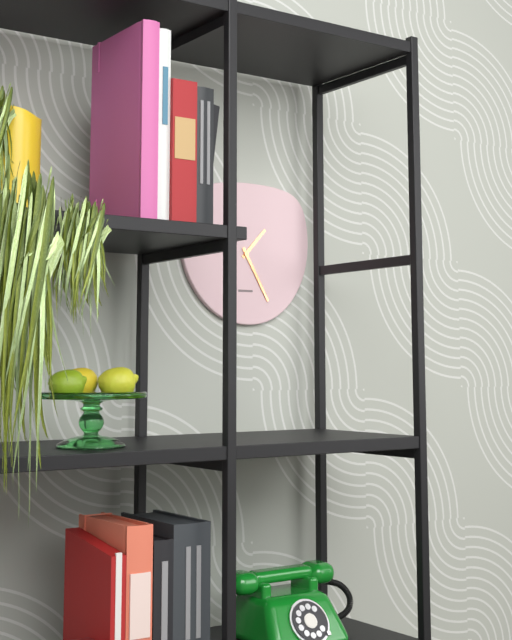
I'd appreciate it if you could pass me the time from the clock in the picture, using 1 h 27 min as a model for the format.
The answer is 1 h 25 min
